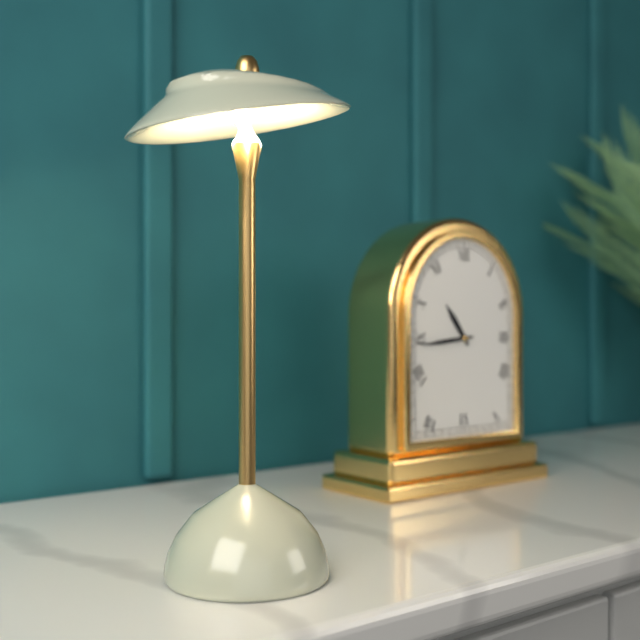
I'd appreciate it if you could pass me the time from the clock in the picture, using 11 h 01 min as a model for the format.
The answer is 10 h 44 min
